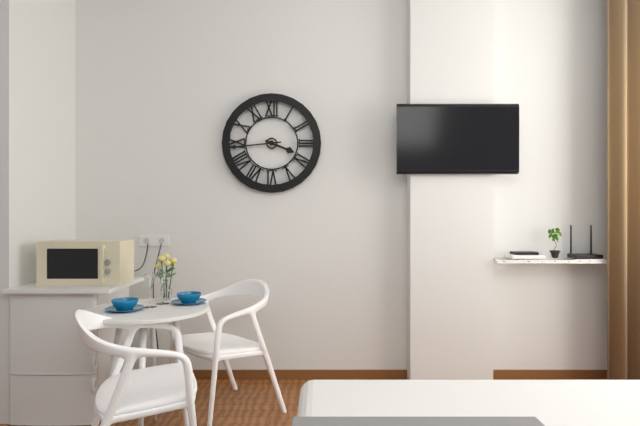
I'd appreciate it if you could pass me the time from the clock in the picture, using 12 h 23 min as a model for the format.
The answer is 3 h 44 min
